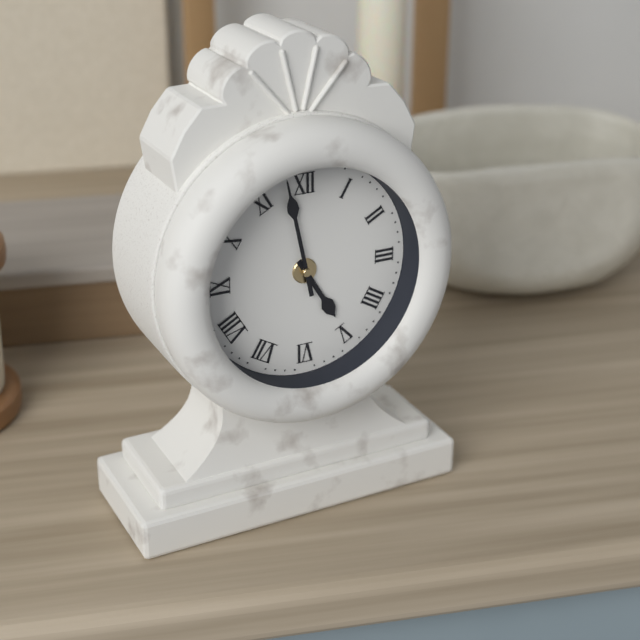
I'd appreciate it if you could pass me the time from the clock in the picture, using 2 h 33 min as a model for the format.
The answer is 4 h 58 min
